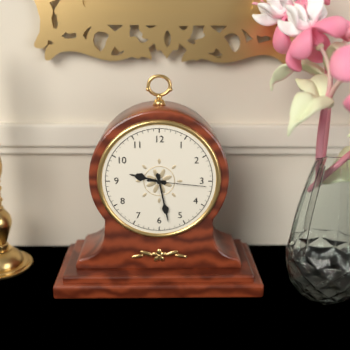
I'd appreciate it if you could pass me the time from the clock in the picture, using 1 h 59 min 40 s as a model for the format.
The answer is 9 h 28 min 16 s
